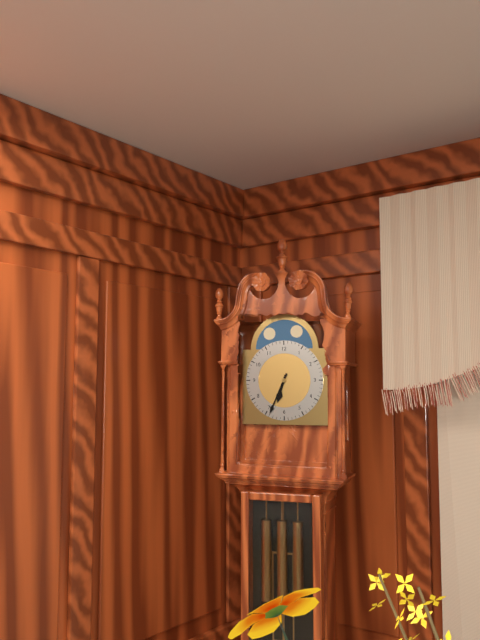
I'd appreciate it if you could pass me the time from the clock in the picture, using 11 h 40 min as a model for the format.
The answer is 6 h 34 min
